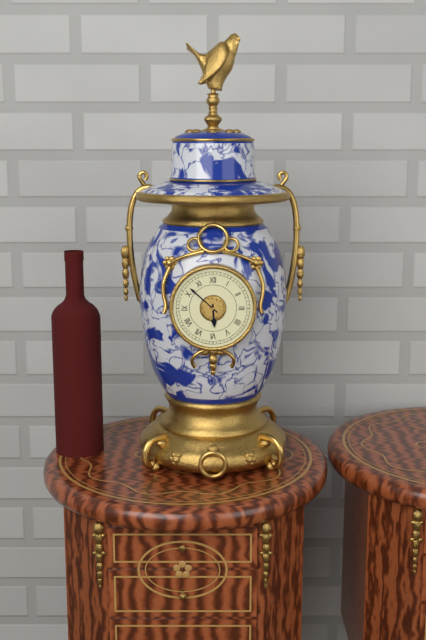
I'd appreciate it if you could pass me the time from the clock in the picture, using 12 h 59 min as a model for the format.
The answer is 5 h 52 min
